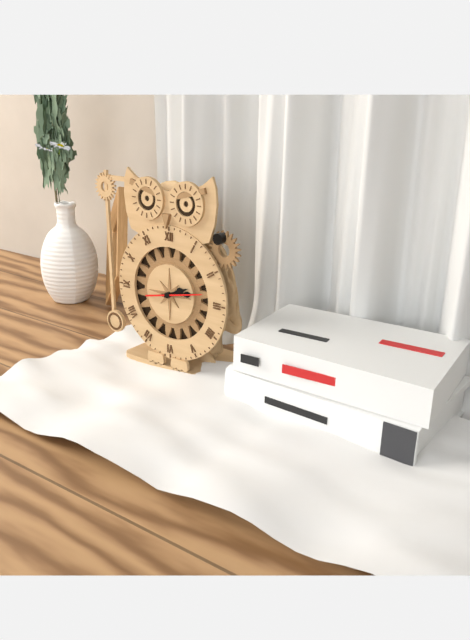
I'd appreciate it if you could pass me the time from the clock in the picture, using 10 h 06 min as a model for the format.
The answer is 2 h 13 min
